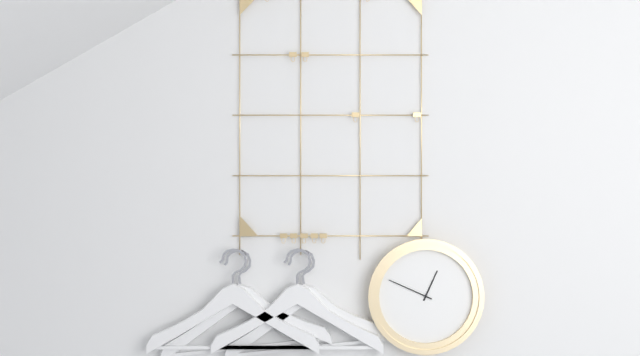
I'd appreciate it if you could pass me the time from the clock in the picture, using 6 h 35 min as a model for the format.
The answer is 12 h 49 min
